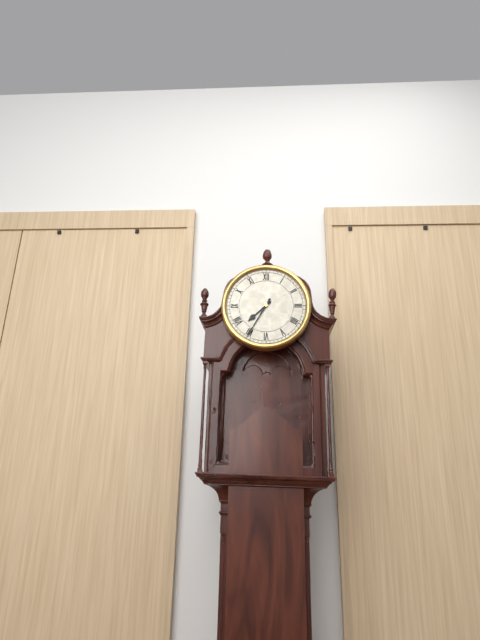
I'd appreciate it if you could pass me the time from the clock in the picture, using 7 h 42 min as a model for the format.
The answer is 7 h 35 min
